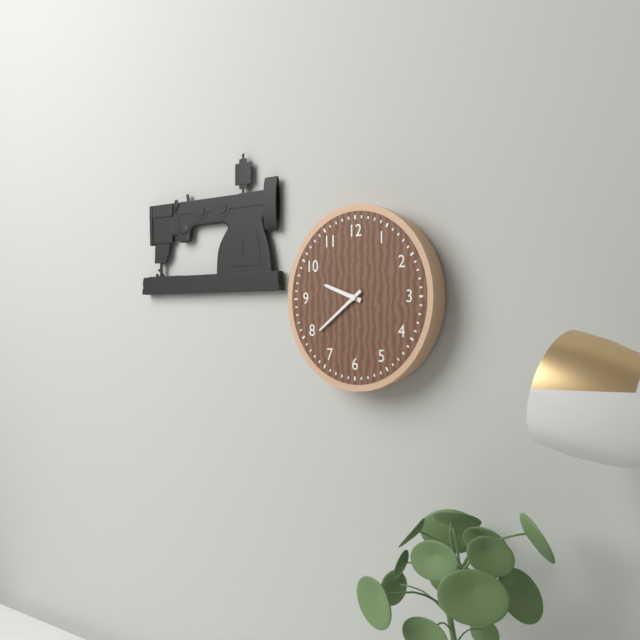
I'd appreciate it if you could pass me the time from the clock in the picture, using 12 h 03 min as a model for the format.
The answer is 9 h 39 min
